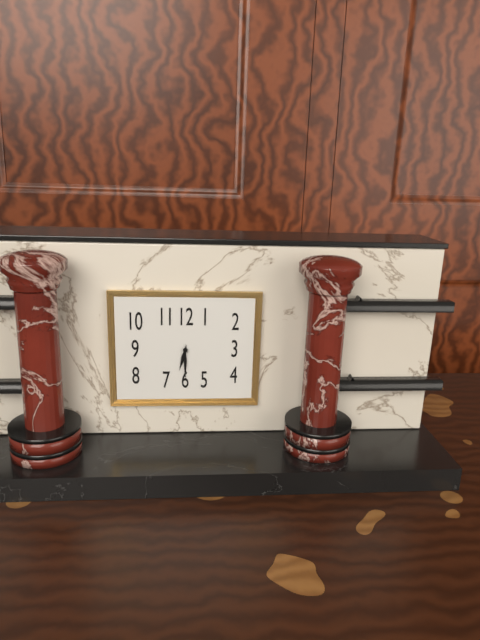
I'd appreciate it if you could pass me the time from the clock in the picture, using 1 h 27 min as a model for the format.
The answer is 6 h 30 min
